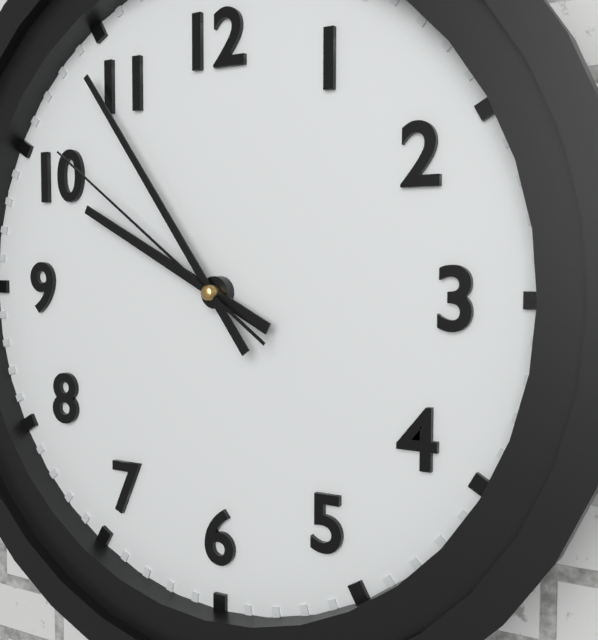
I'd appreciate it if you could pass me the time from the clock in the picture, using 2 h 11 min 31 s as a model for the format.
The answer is 9 h 54 min 51 s
